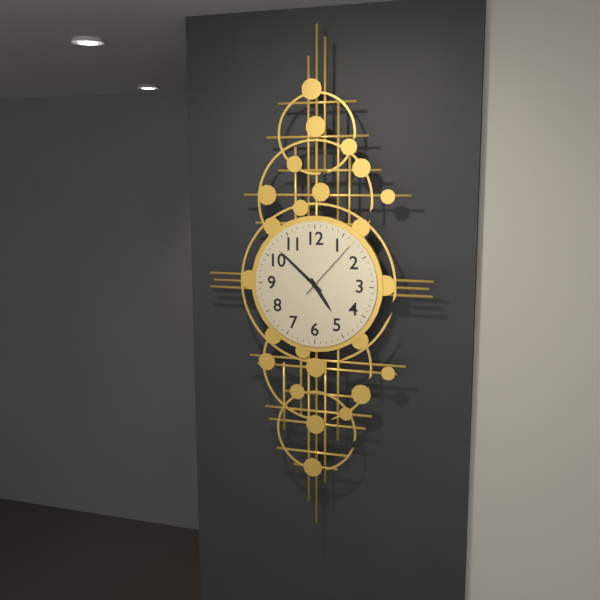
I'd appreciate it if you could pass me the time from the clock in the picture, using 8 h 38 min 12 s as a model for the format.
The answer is 4 h 52 min 07 s
